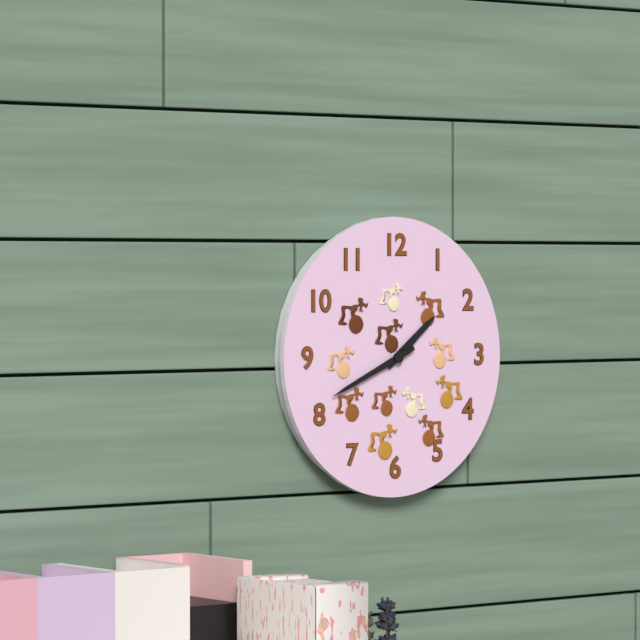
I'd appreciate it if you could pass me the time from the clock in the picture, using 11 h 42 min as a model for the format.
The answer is 1 h 41 min
